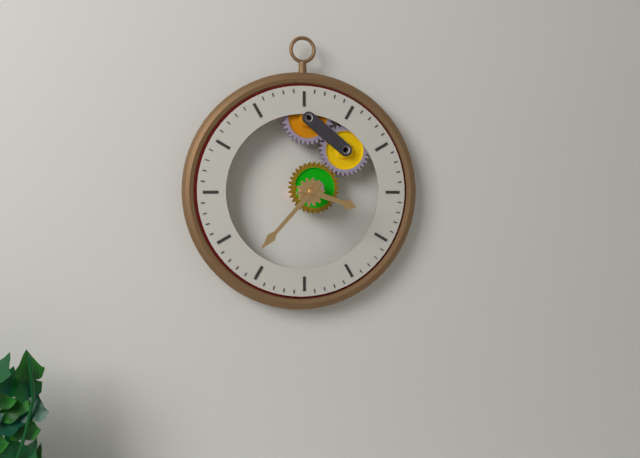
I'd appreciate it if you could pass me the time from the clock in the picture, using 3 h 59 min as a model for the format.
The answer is 3 h 37 min
